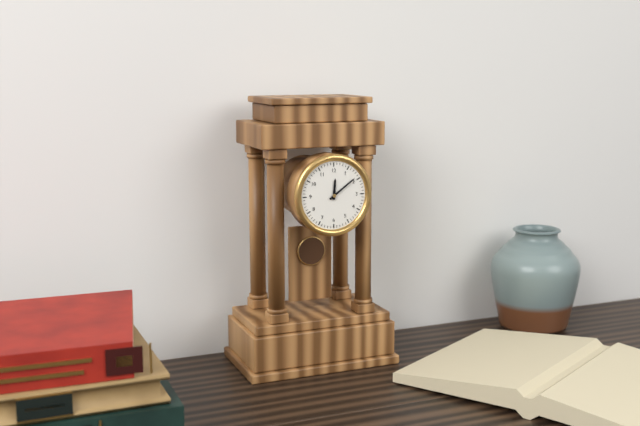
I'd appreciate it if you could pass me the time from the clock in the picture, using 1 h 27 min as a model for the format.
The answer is 12 h 09 min
